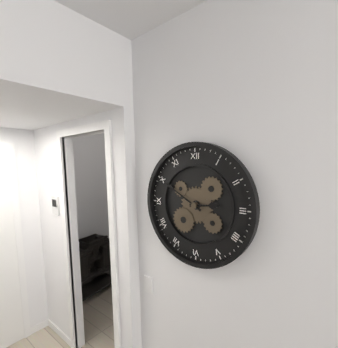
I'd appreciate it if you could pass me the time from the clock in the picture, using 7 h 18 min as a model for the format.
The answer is 2 h 50 min
